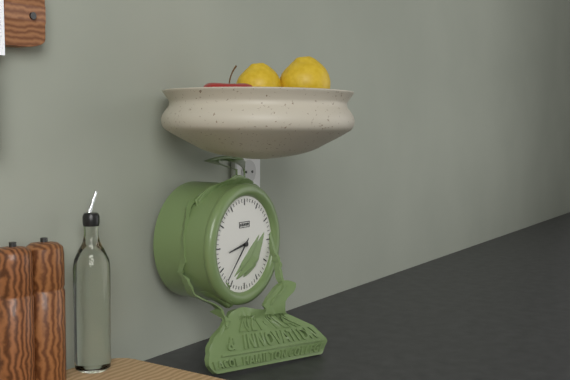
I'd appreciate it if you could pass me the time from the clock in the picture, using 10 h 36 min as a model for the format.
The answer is 8 h 37 min
